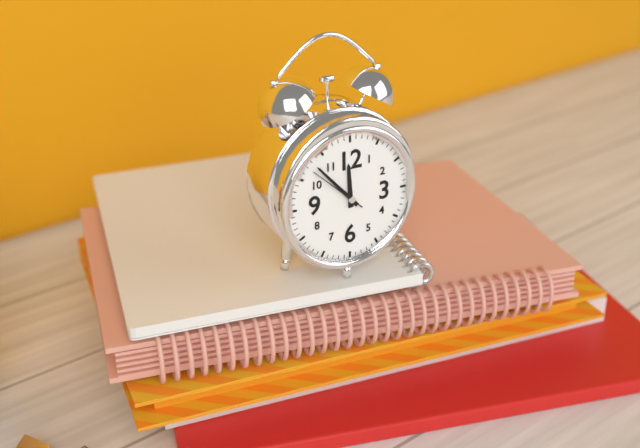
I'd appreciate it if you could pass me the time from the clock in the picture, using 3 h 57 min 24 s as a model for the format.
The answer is 11 h 53 min 52 s
